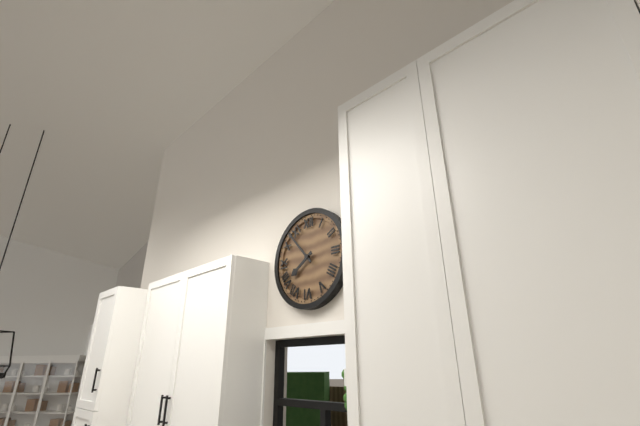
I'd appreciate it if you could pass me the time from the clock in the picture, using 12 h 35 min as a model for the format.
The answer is 7 h 53 min
